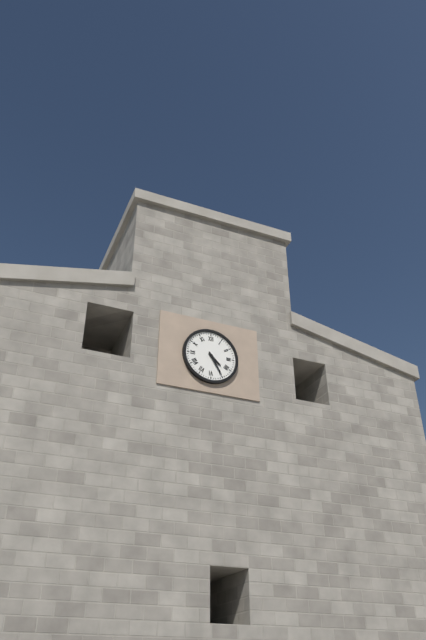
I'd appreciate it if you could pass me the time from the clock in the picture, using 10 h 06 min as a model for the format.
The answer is 4 h 25 min
